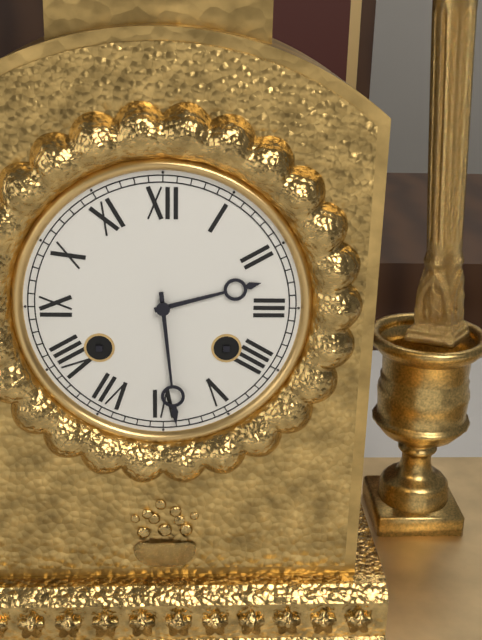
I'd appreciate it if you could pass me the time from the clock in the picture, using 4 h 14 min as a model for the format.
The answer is 2 h 29 min
